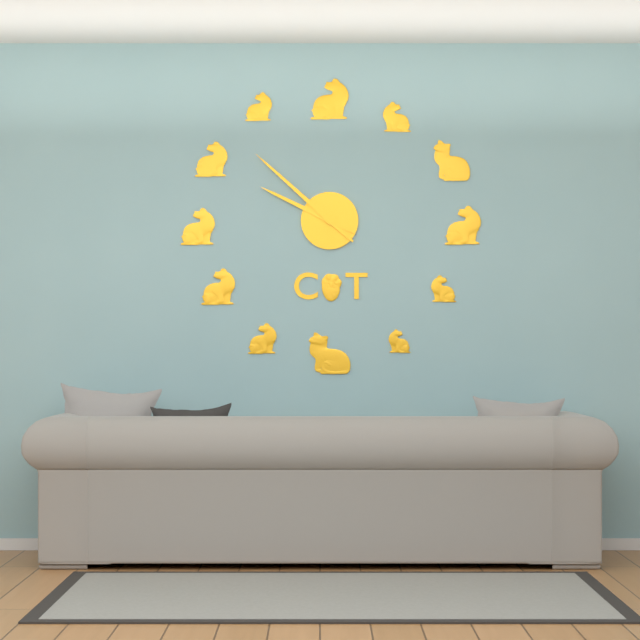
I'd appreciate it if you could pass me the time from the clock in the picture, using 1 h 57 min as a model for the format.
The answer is 9 h 52 min
